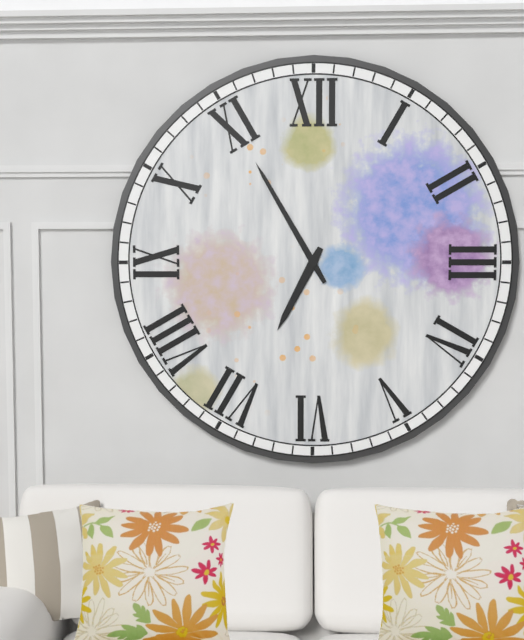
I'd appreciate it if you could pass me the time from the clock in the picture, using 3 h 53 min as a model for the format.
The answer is 6 h 55 min
